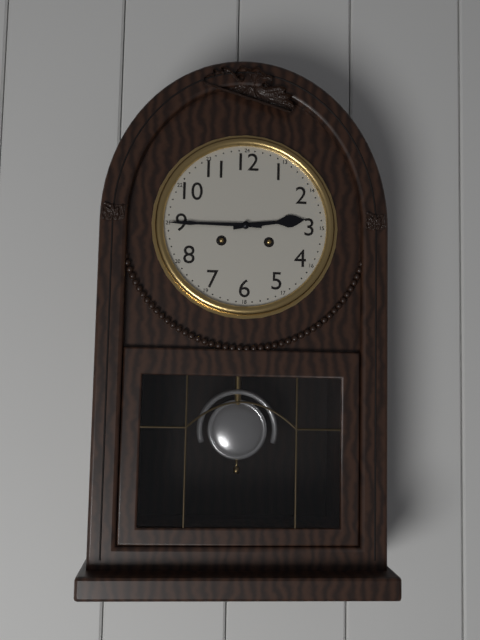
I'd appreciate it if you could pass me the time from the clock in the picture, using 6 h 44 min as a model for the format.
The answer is 2 h 45 min
